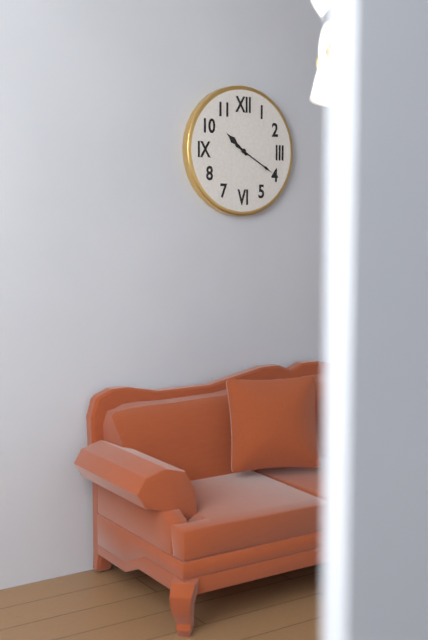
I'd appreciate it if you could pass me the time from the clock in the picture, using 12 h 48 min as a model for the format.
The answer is 10 h 20 min
